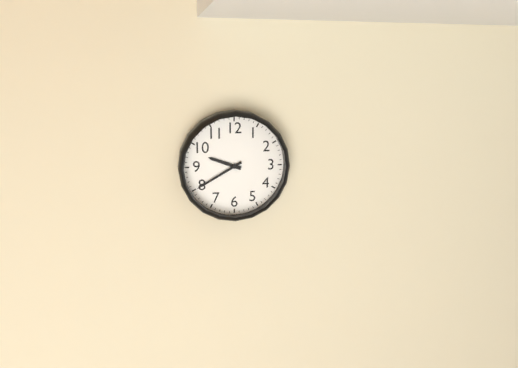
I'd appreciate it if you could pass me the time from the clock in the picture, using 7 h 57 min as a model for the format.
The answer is 9 h 40 min
